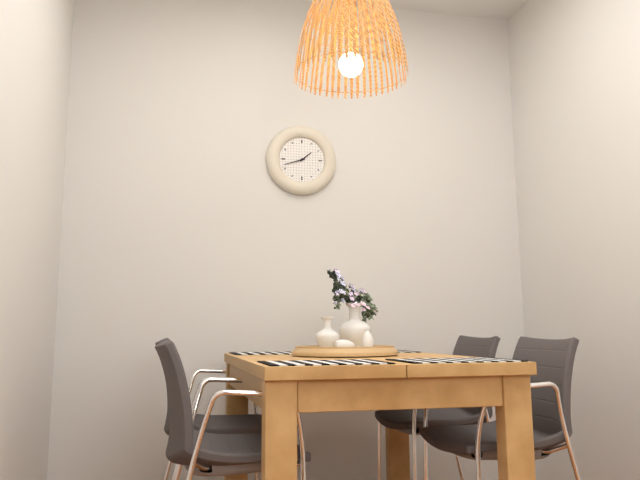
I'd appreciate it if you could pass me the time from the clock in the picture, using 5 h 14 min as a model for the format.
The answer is 1 h 42 min
